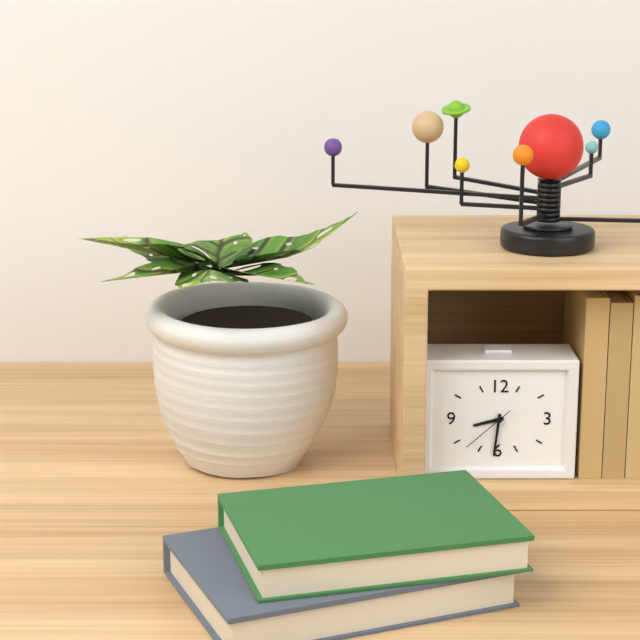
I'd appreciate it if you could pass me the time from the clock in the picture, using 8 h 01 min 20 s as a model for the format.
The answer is 8 h 31 min 38 s
